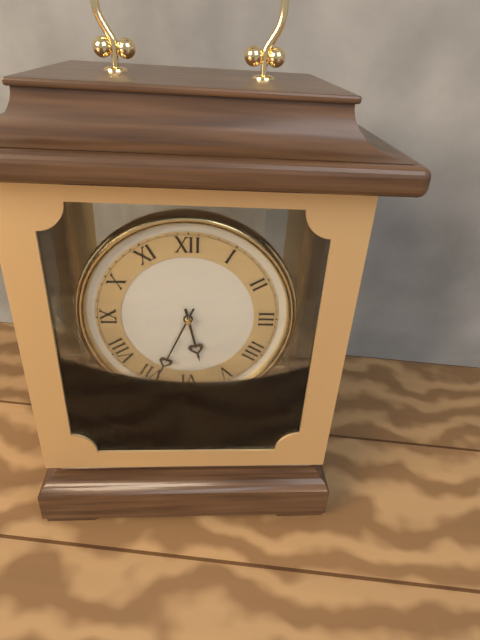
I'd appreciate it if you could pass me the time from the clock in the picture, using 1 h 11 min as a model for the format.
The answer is 5 h 34 min
